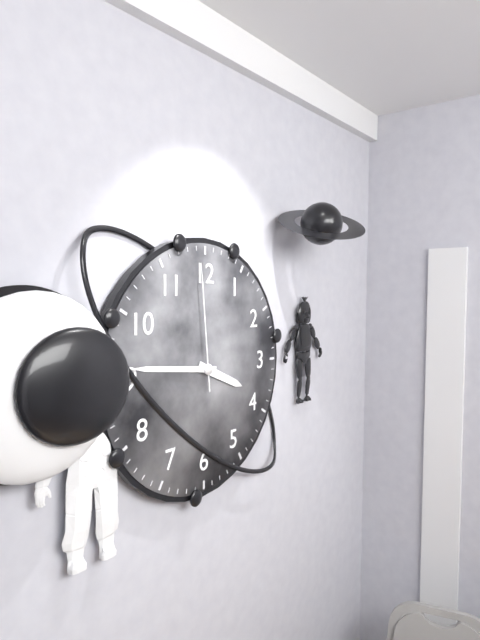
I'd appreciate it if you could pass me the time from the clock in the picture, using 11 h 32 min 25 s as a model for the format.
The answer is 3 h 46 min 59 s
